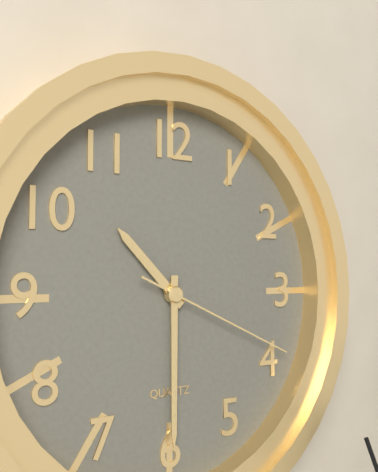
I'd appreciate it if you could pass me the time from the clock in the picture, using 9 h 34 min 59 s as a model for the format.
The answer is 10 h 30 min 19 s
